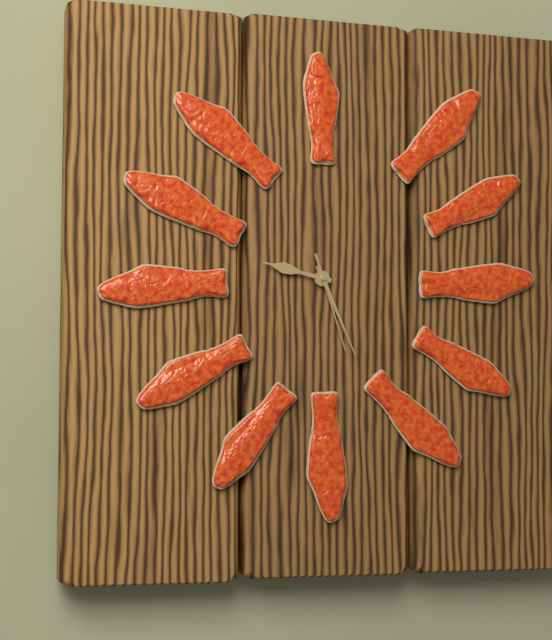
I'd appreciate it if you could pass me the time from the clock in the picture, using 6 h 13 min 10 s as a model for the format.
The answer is 9 h 26 min 27 s
